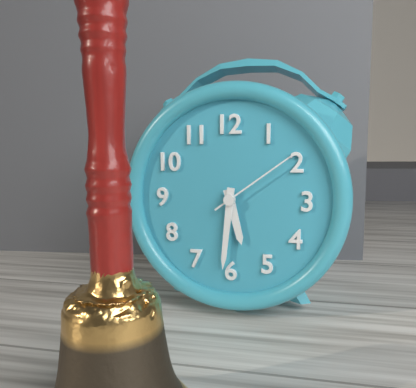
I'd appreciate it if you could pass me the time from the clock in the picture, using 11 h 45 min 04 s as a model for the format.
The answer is 5 h 31 min 09 s
